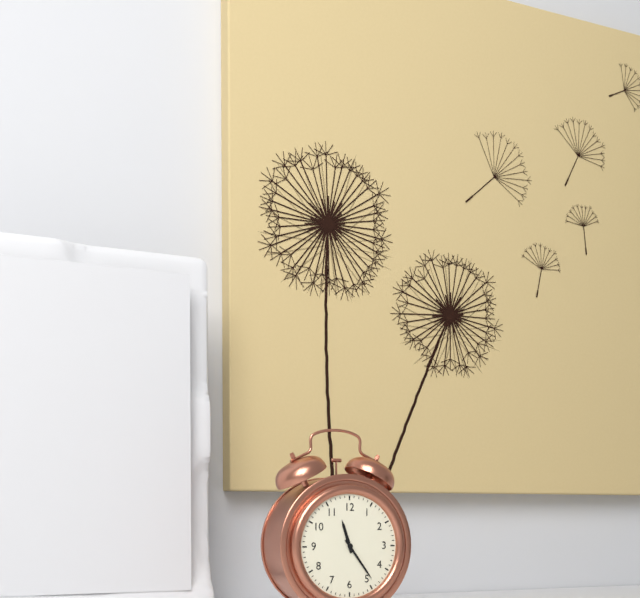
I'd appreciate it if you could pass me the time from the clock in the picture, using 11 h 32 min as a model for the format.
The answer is 11 h 24 min
